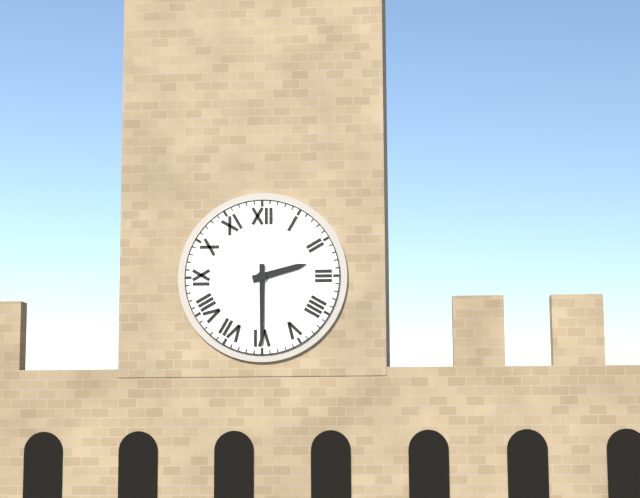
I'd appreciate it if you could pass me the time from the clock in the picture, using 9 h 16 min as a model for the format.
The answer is 2 h 30 min
